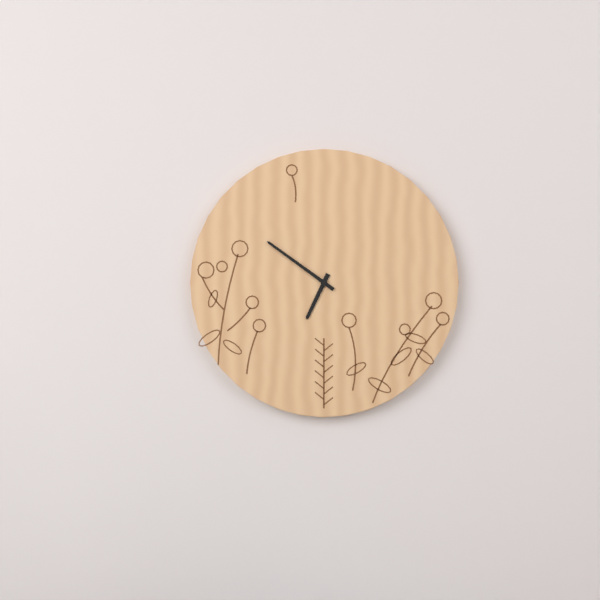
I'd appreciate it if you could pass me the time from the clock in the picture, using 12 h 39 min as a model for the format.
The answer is 6 h 51 min
